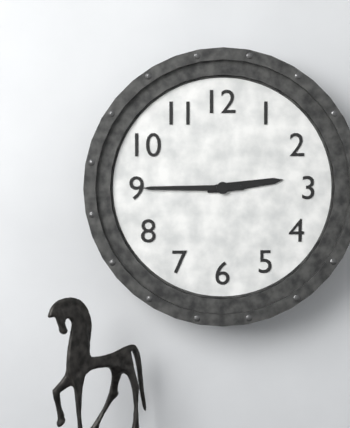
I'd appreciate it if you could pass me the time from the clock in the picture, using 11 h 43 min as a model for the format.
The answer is 2 h 45 min
